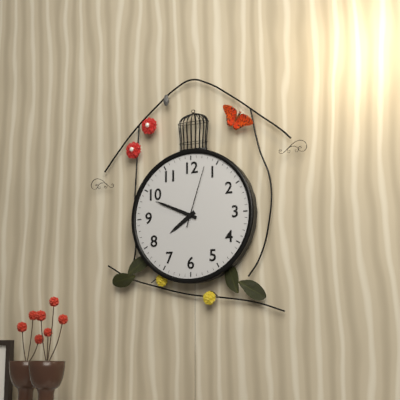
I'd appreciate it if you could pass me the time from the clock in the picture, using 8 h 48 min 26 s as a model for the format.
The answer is 7 h 49 min 03 s
